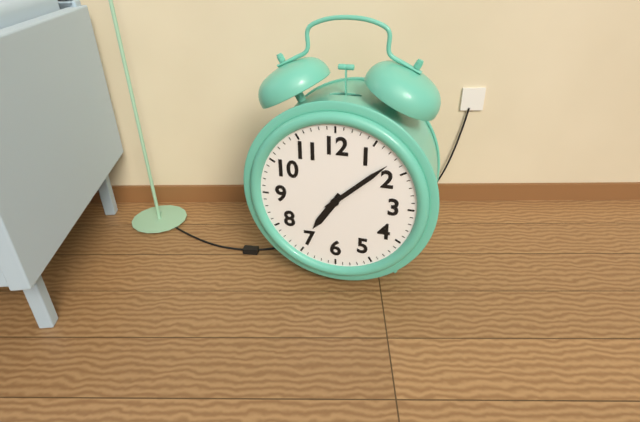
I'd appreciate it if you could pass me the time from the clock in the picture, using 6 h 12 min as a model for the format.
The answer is 7 h 08 min
